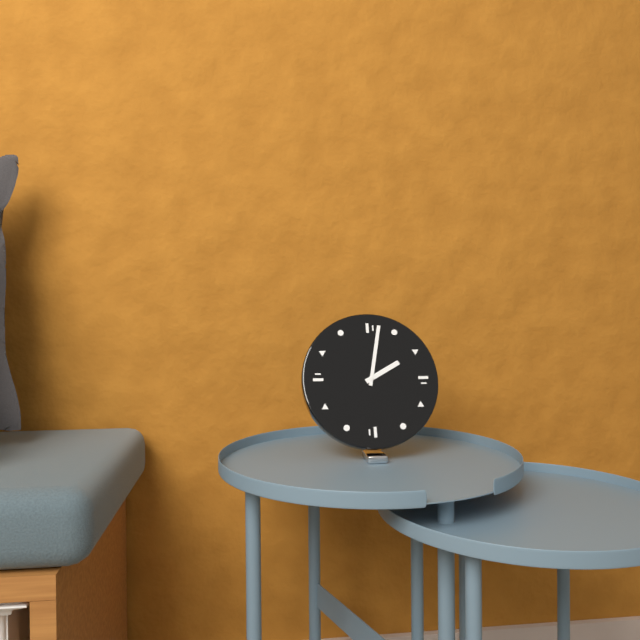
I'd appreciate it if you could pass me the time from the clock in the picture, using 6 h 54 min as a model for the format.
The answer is 2 h 02 min
